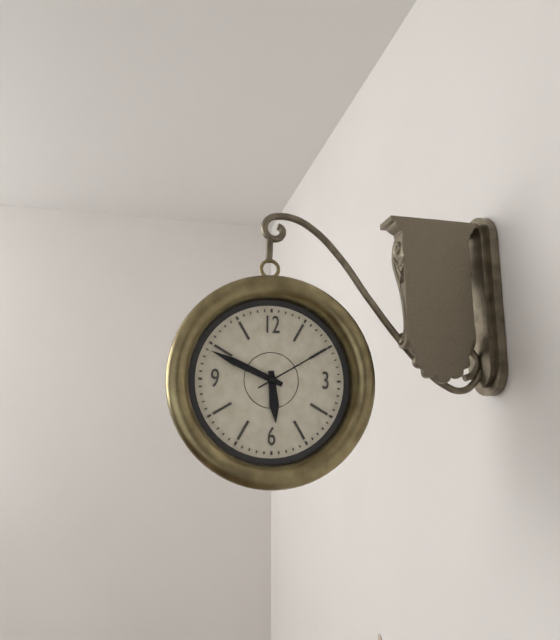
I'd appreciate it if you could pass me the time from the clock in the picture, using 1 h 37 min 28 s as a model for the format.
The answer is 5 h 49 min 10 s
